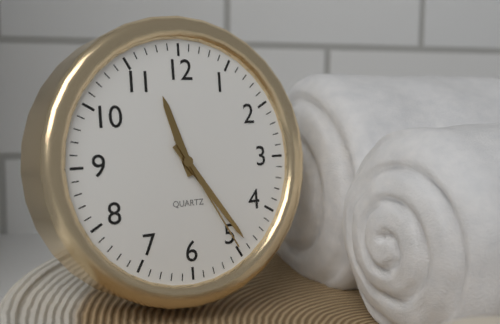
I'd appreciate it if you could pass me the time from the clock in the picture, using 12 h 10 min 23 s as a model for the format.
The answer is 11 h 24 min 25 s
